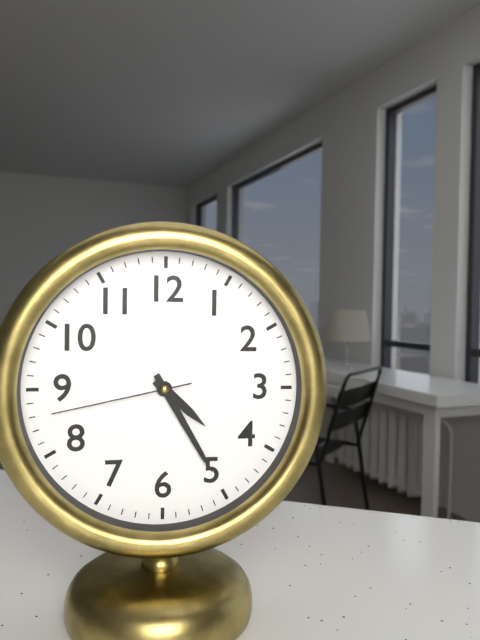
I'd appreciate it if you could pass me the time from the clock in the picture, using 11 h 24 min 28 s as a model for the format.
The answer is 4 h 25 min 43 s
